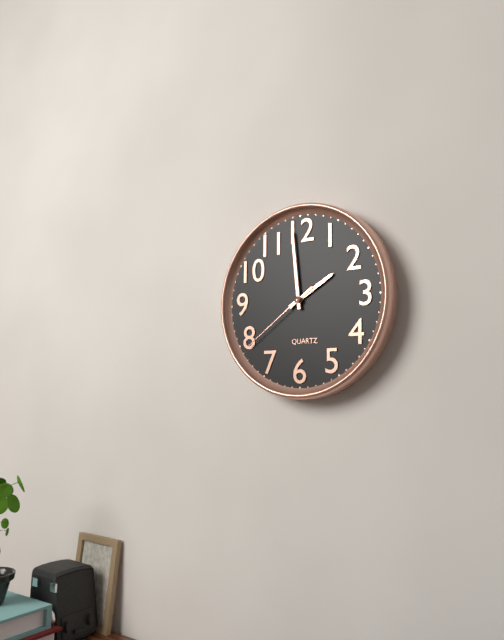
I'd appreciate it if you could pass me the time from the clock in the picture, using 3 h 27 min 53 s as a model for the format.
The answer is 1 h 59 min 39 s
